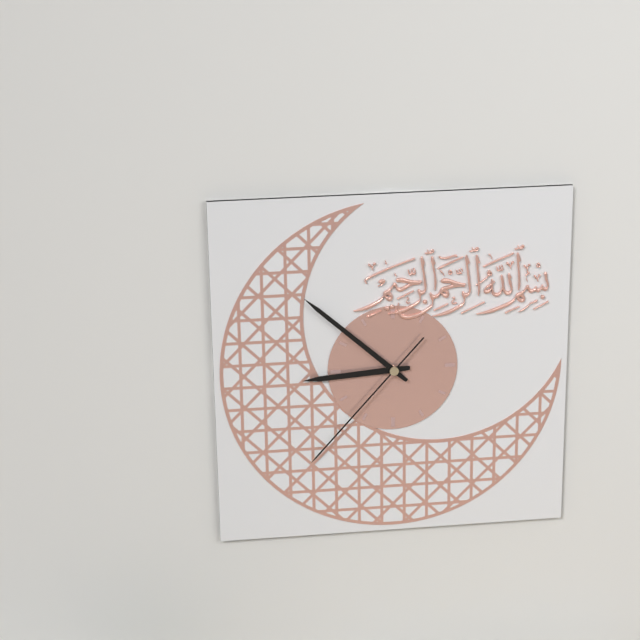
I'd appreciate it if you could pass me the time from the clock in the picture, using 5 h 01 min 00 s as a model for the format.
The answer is 8 h 52 min 37 s
